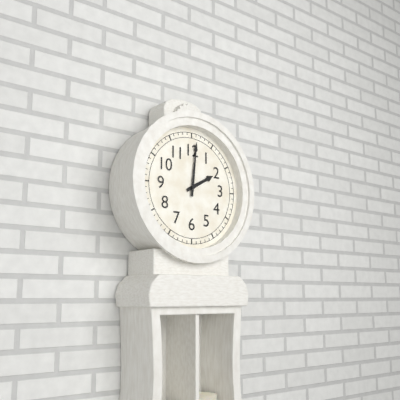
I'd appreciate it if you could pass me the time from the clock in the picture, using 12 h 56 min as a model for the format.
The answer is 2 h 01 min
